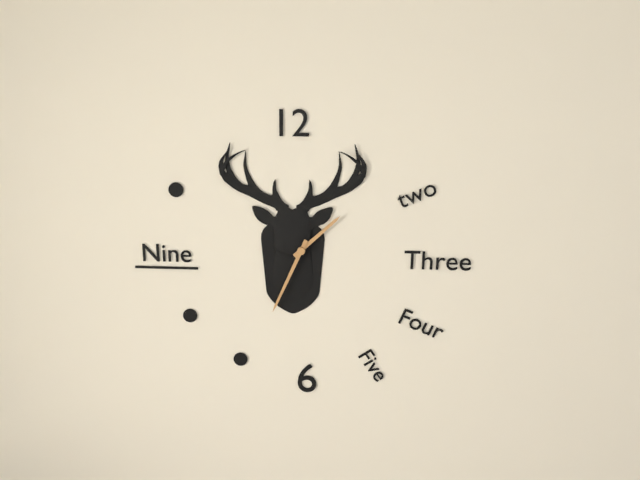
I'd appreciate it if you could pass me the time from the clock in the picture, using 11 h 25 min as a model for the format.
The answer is 1 h 34 min
